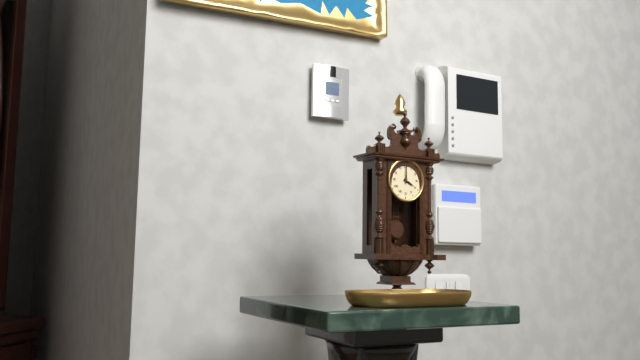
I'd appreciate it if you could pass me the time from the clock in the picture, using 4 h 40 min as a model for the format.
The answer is 4 h 00 min
